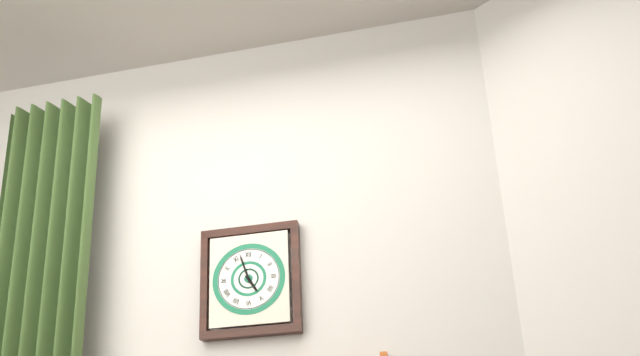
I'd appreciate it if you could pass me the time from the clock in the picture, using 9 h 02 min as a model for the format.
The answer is 4 h 57 min
